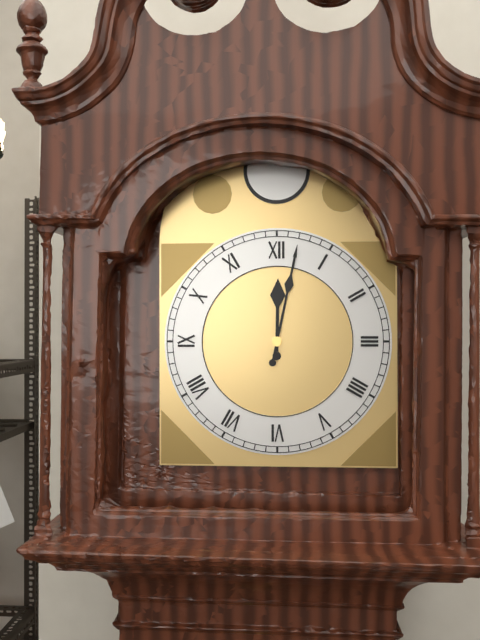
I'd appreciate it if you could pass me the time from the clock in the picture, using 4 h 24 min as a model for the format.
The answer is 12 h 02 min
